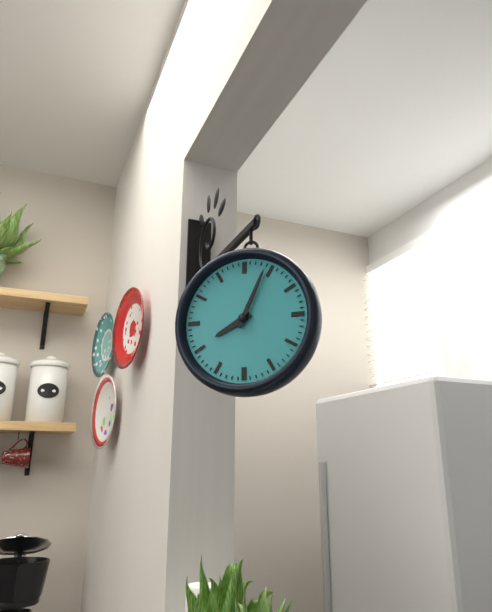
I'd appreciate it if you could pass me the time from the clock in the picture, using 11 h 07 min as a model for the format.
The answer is 8 h 04 min
